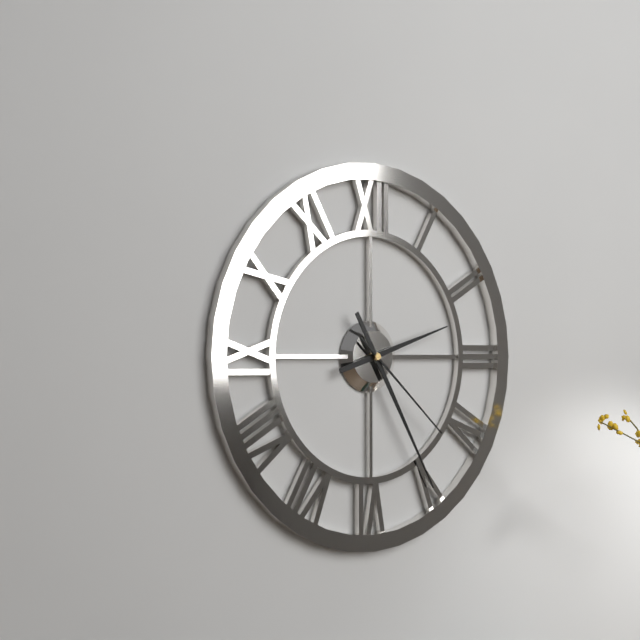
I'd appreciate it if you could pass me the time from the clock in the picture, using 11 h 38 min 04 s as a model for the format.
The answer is 2 h 25 min 22 s
